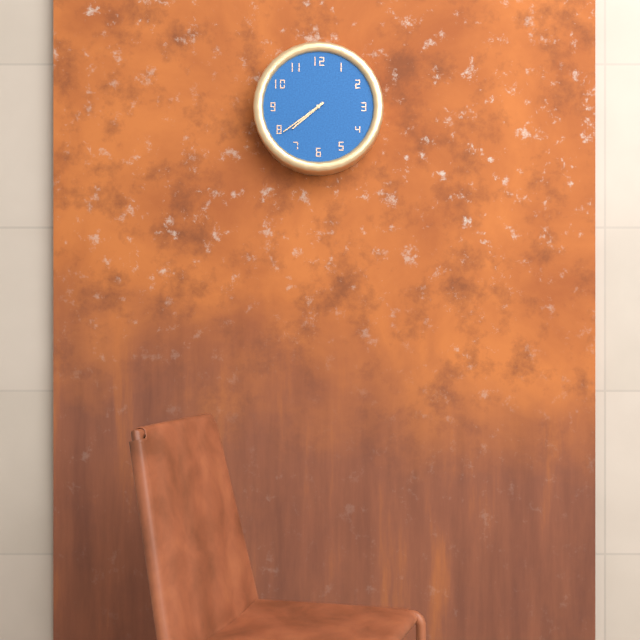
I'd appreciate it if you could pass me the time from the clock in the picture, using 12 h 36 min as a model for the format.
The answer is 7 h 39 min
